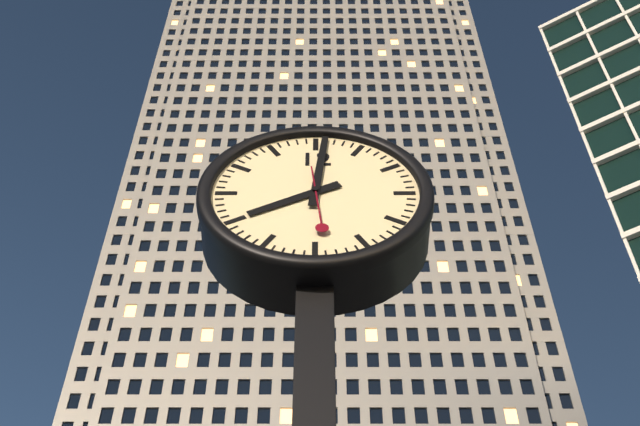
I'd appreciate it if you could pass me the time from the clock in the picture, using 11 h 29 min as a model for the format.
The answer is 8 h 01 min
